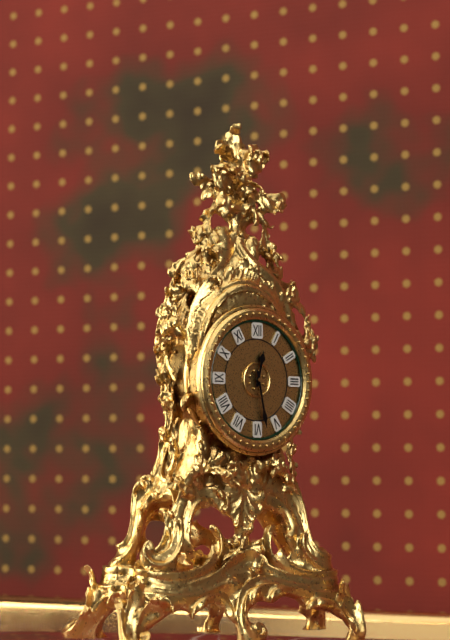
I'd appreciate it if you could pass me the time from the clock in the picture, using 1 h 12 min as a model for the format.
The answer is 12 h 28 min
